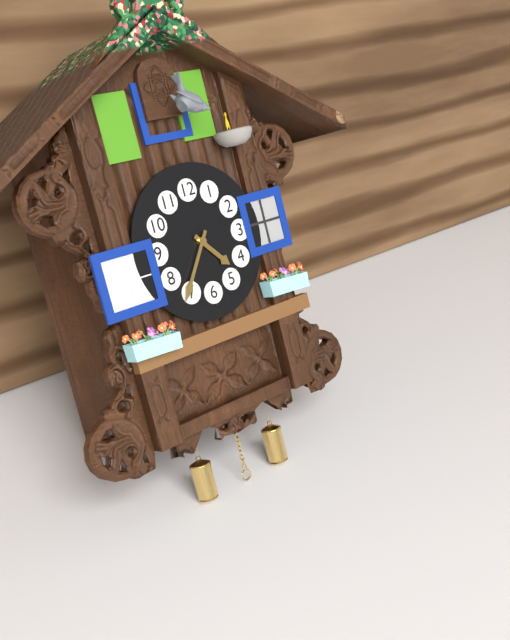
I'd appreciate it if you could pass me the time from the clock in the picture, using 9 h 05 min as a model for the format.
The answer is 4 h 36 min
